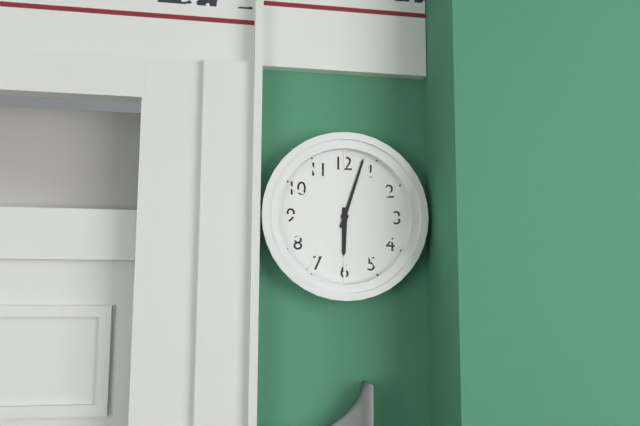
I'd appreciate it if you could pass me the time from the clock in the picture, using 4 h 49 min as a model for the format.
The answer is 6 h 03 min
